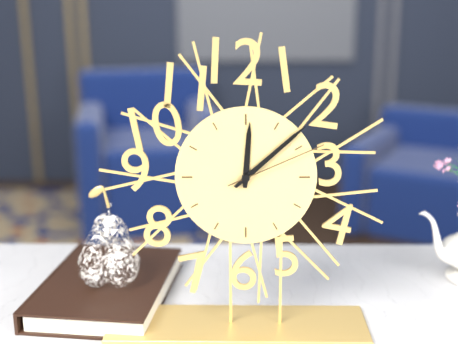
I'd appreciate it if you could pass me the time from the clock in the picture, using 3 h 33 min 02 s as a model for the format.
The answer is 12 h 08 min 11 s
